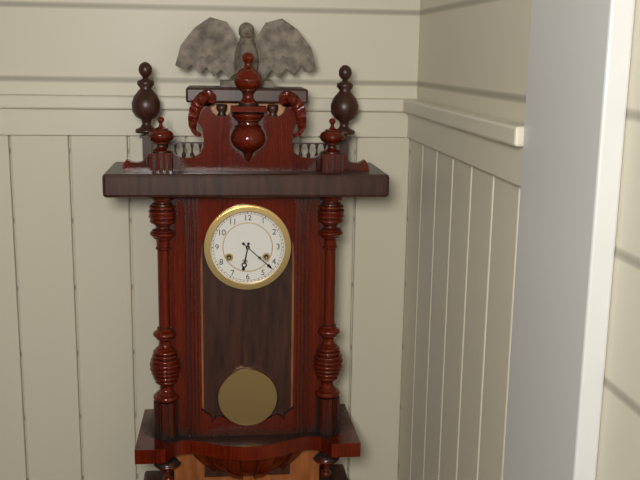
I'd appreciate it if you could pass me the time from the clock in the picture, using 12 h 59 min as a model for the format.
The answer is 6 h 22 min
